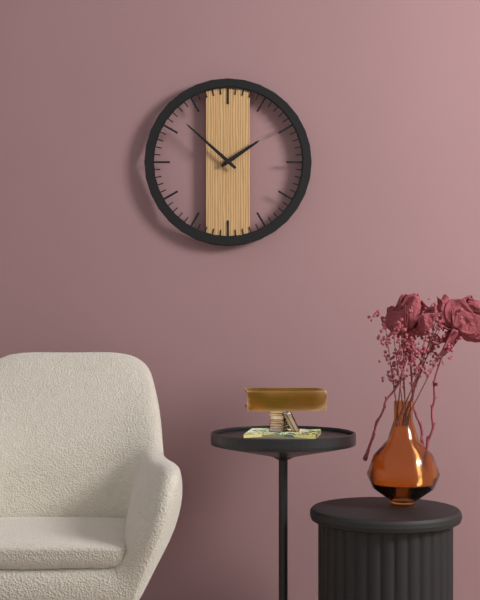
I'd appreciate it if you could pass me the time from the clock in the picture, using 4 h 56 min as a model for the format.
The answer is 1 h 52 min
